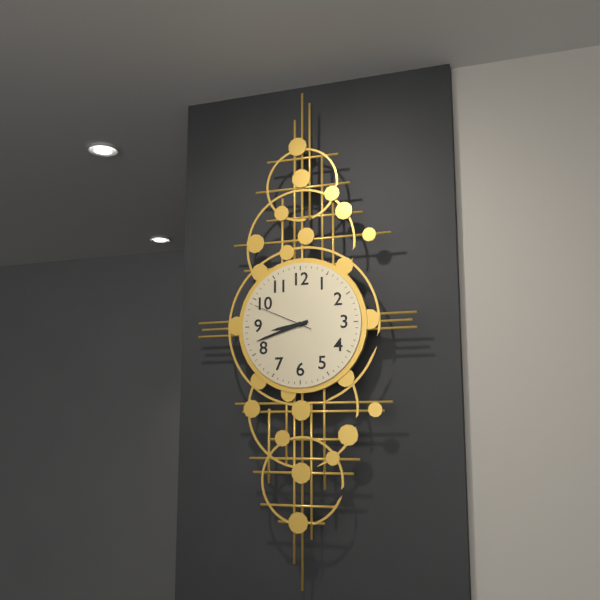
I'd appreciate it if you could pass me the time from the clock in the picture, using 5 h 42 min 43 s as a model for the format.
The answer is 8 h 42 min 49 s
